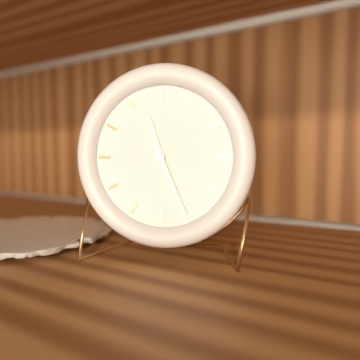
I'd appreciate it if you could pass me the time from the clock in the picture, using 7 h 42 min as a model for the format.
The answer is 11 h 26 min
